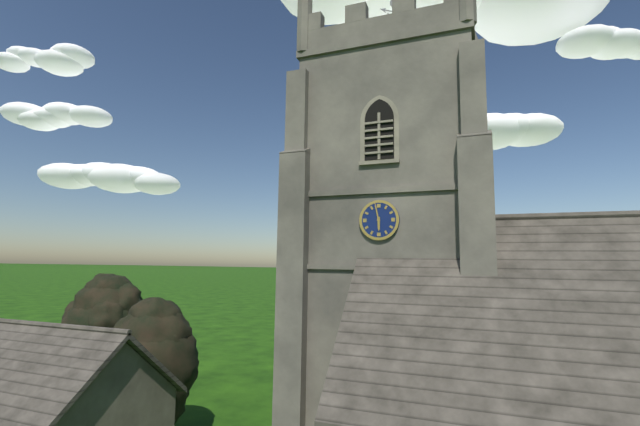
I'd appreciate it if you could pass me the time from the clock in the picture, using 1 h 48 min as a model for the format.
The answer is 5 h 58 min
